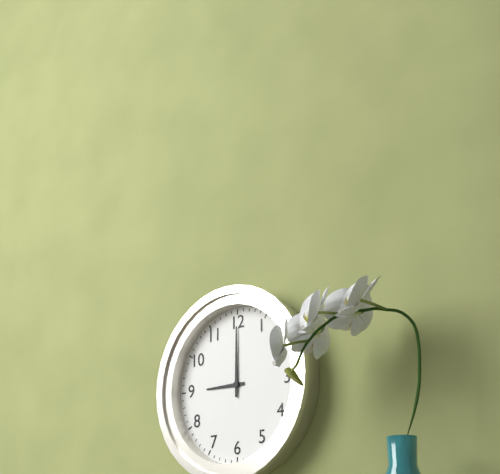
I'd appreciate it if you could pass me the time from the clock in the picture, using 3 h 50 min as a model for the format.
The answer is 9 h 00 min
